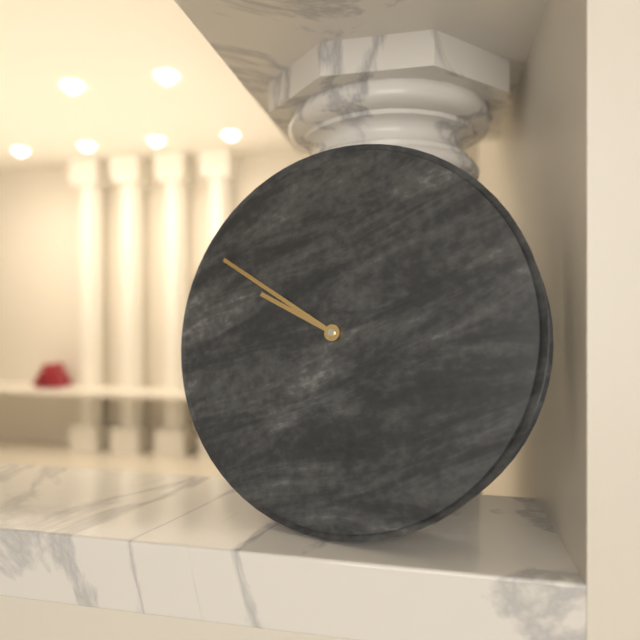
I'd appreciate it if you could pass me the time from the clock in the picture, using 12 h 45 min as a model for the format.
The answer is 9 h 50 min
